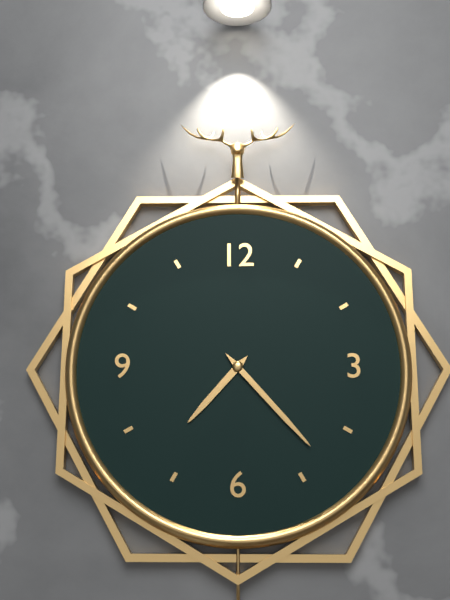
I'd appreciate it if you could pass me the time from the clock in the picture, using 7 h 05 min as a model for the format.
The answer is 7 h 23 min
